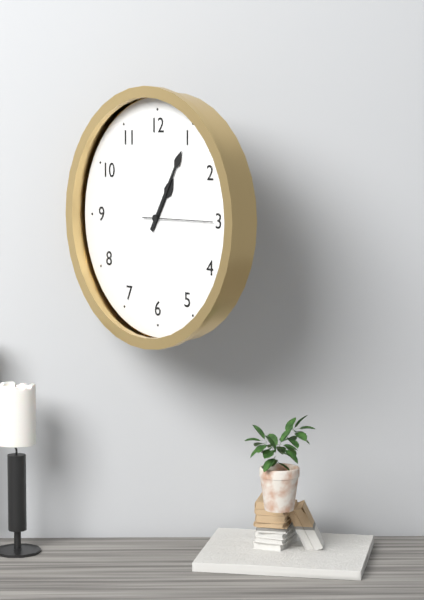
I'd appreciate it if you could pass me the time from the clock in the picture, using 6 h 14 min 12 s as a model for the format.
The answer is 1 h 05 min 15 s
